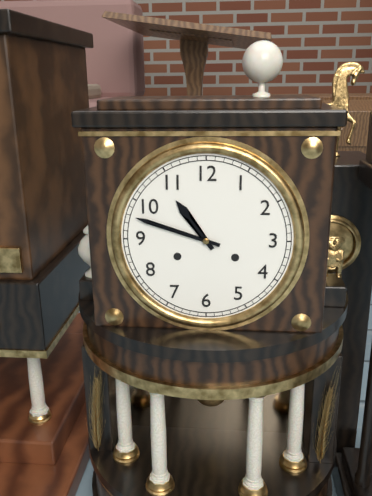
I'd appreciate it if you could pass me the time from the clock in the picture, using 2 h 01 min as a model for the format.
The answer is 10 h 48 min
